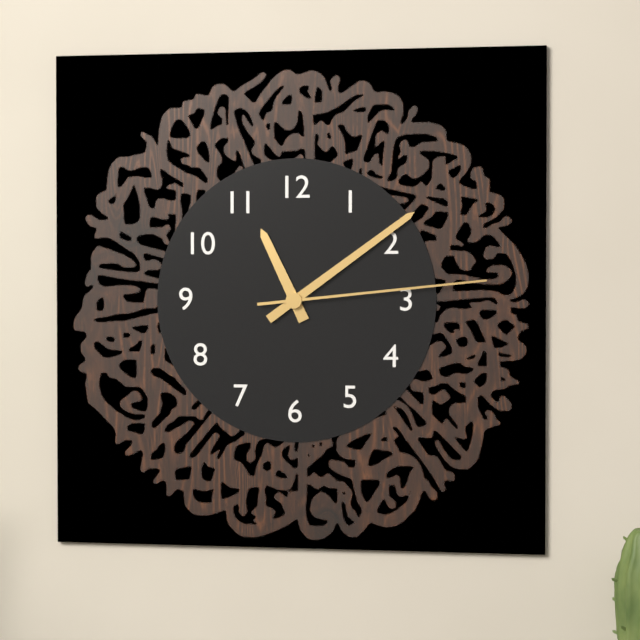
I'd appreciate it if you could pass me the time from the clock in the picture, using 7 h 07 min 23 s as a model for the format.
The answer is 11 h 09 min 14 s
